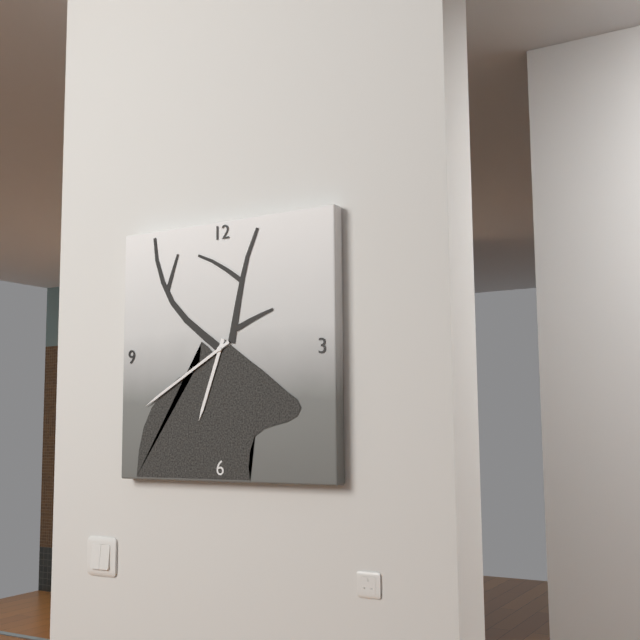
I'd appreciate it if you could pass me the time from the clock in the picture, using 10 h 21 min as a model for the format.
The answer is 6 h 40 min
